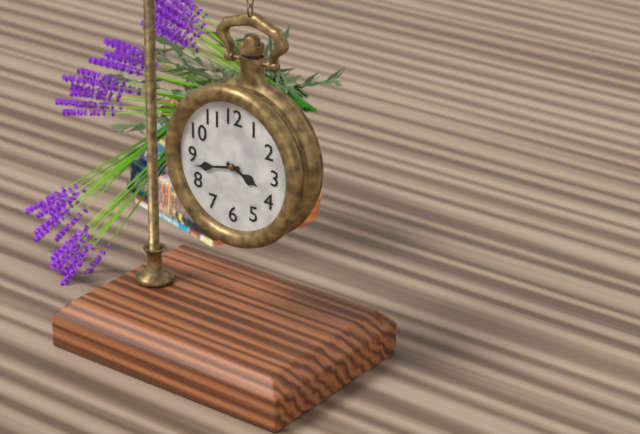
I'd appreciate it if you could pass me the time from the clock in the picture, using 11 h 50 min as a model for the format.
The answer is 3 h 43 min
